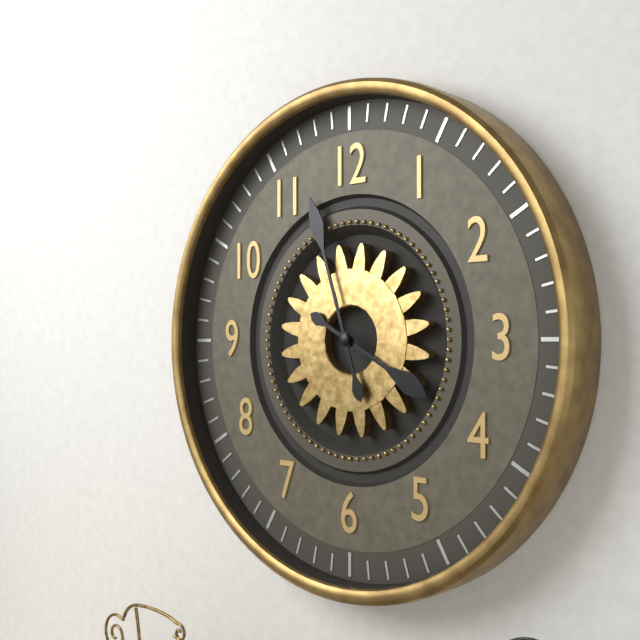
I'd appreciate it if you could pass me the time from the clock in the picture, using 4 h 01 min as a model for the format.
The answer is 3 h 57 min
